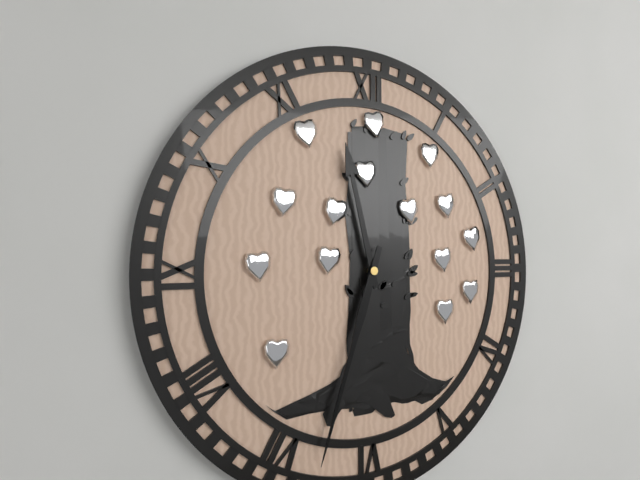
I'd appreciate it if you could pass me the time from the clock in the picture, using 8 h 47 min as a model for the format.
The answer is 11 h 33 min
